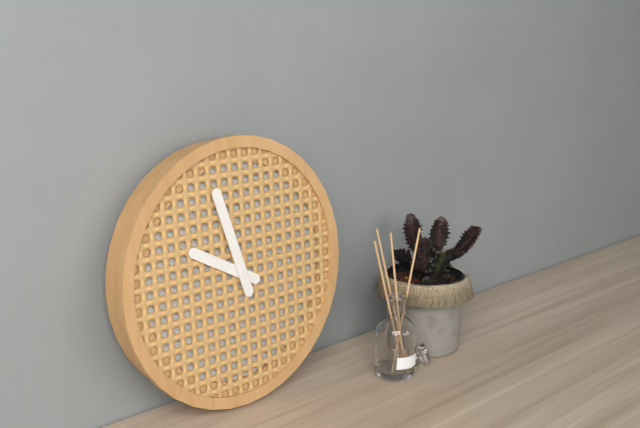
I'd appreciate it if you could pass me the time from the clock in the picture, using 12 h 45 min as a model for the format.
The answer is 9 h 57 min
